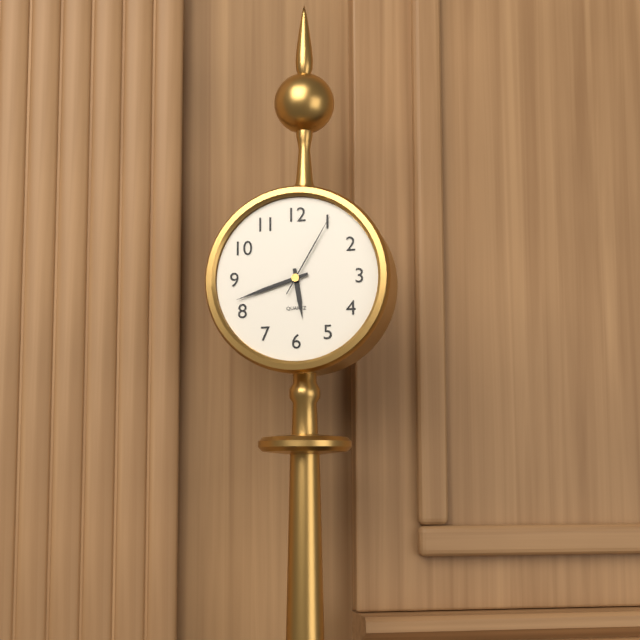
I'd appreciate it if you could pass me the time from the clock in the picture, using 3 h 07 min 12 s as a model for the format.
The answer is 5 h 42 min 05 s
